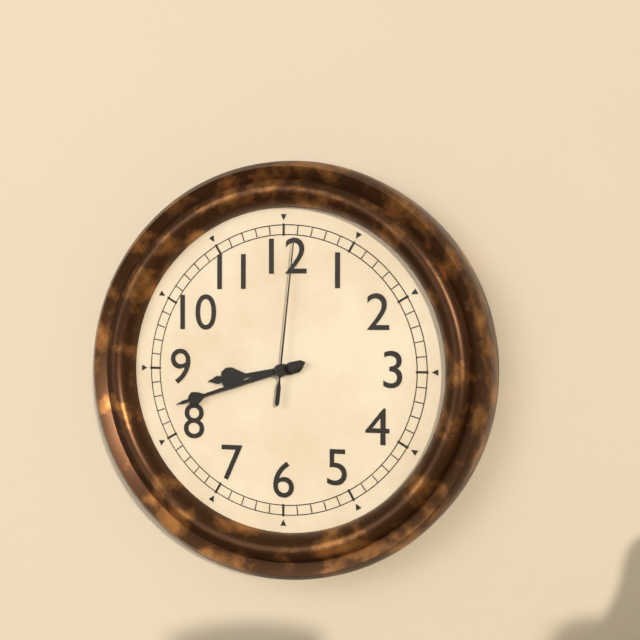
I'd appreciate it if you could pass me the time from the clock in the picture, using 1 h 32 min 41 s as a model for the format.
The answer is 8 h 42 min 01 s
